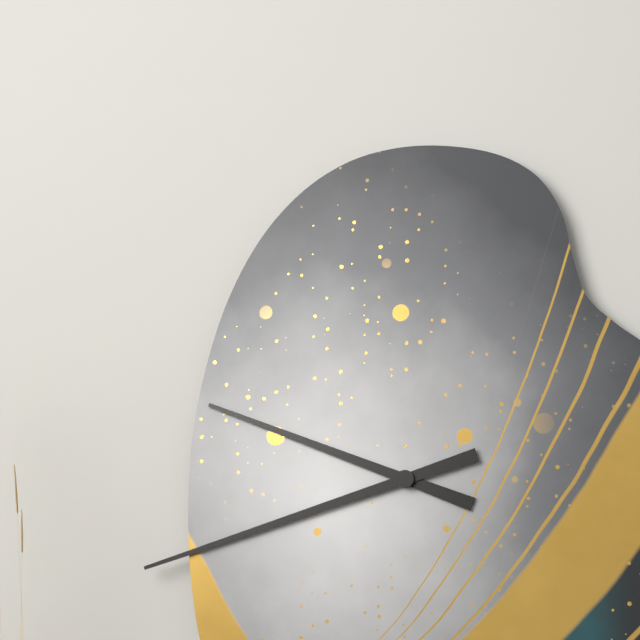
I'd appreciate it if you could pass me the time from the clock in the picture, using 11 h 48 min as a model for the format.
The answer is 9 h 42 min
